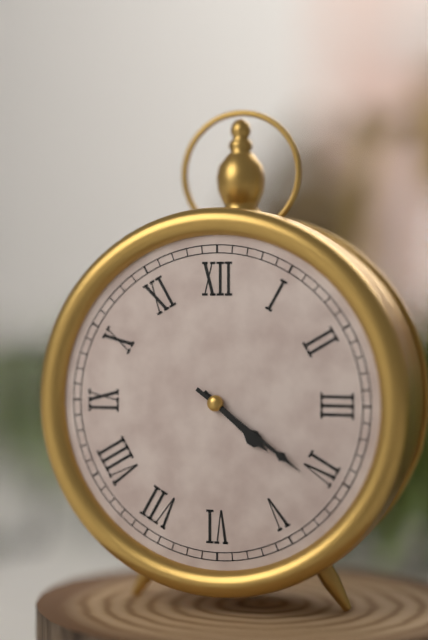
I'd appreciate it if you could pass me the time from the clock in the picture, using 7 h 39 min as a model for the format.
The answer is 4 h 21 min
